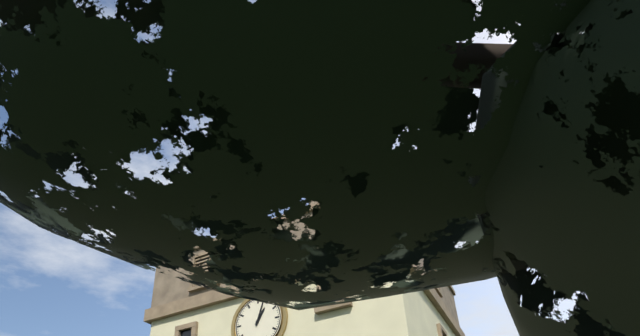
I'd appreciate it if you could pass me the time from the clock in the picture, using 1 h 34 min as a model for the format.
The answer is 1 h 03 min
